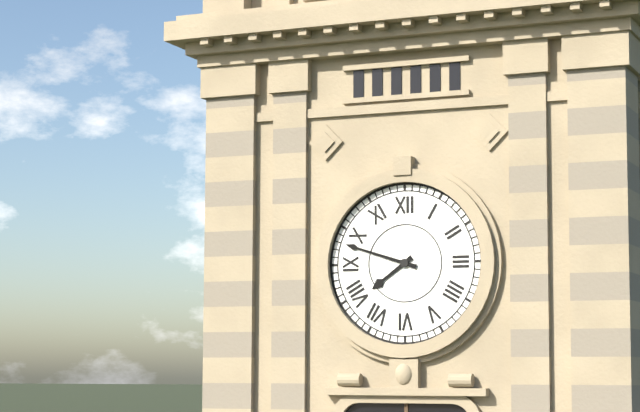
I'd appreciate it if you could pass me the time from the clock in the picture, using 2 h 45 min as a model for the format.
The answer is 7 h 48 min
